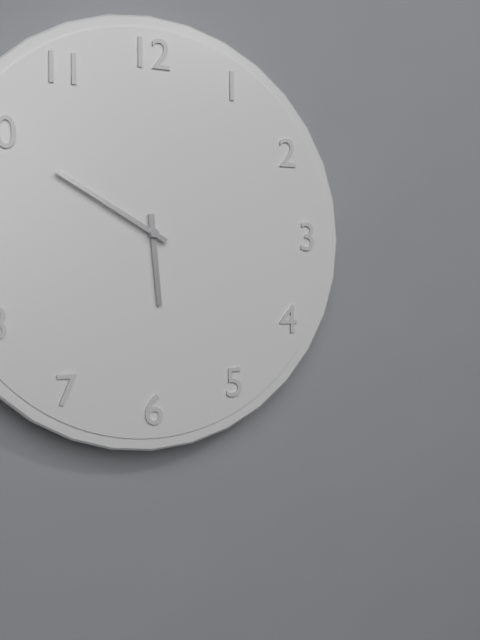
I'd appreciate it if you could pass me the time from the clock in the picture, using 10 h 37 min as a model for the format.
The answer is 5 h 50 min
